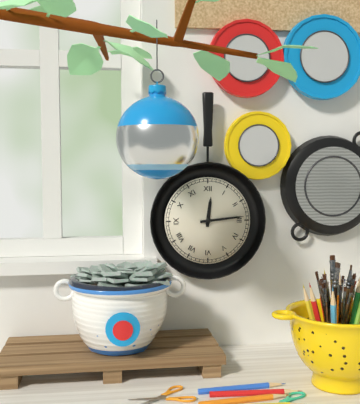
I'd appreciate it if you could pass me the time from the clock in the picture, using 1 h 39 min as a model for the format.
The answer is 12 h 14 min
